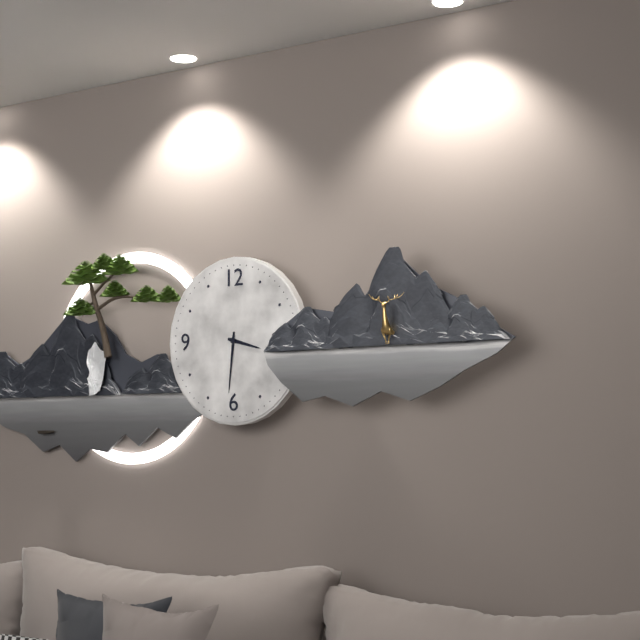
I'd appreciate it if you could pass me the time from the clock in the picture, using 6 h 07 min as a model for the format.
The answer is 3 h 31 min
